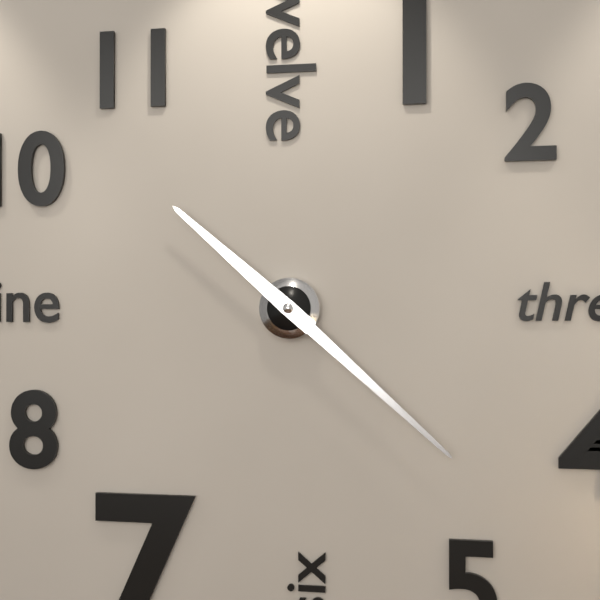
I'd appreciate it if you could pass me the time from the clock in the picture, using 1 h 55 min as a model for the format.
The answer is 10 h 22 min
